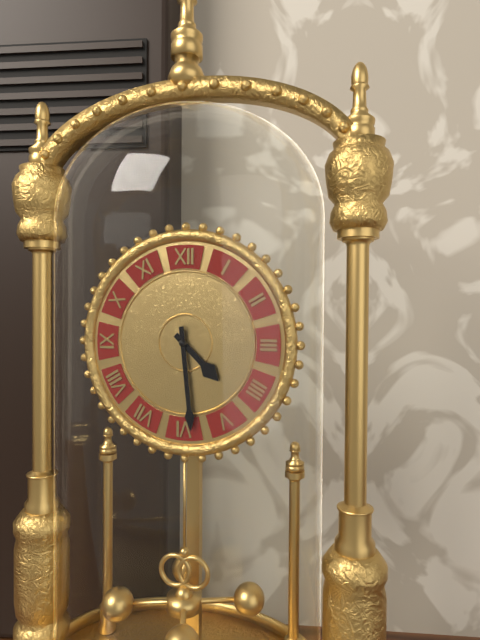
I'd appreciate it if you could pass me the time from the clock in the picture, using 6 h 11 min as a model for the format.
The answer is 4 h 29 min
